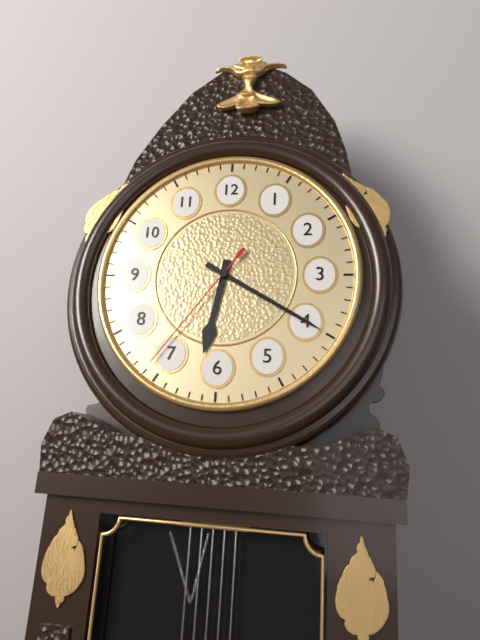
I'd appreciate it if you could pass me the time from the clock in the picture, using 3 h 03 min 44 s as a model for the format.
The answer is 6 h 20 min 36 s
